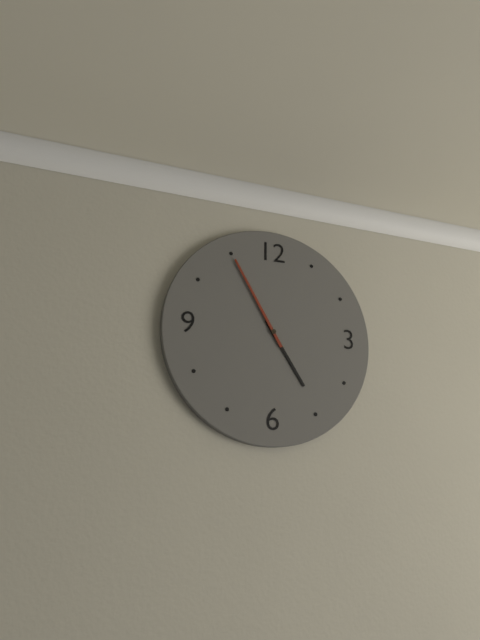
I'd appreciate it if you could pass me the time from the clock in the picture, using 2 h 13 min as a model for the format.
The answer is 4 h 55 min
